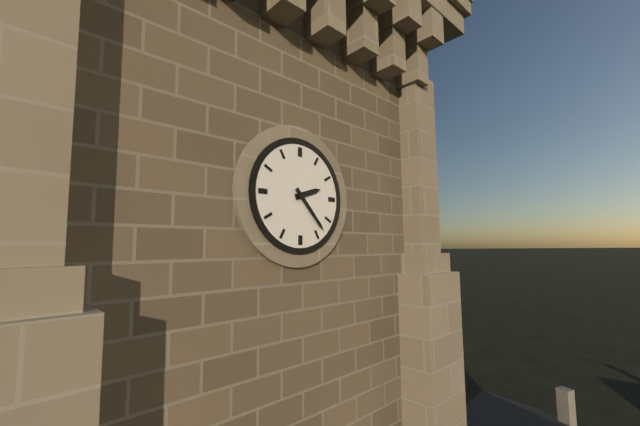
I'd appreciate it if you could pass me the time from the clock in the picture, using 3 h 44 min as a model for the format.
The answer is 2 h 23 min
